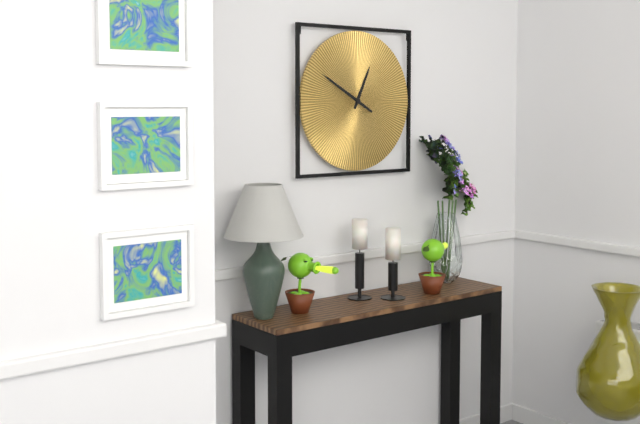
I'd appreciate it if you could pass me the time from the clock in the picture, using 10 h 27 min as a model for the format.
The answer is 12 h 50 min
